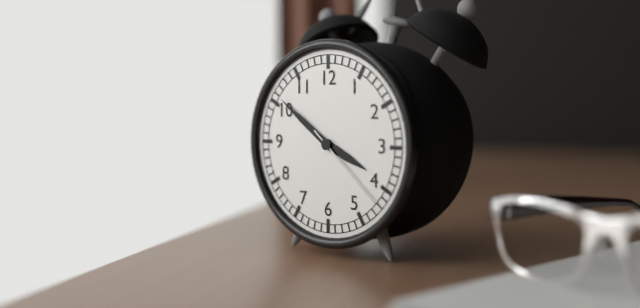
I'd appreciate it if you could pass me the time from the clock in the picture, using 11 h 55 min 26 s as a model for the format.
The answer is 3 h 51 min 22 s
